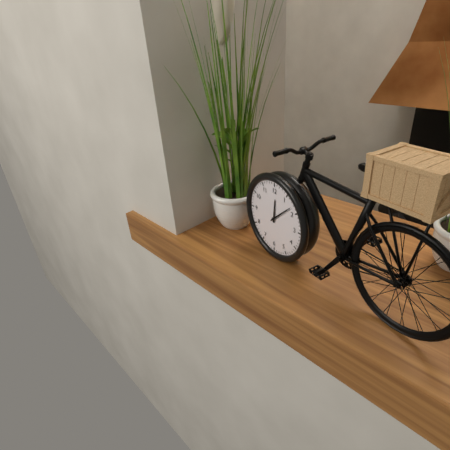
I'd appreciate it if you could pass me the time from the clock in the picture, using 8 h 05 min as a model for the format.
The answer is 12 h 08 min
